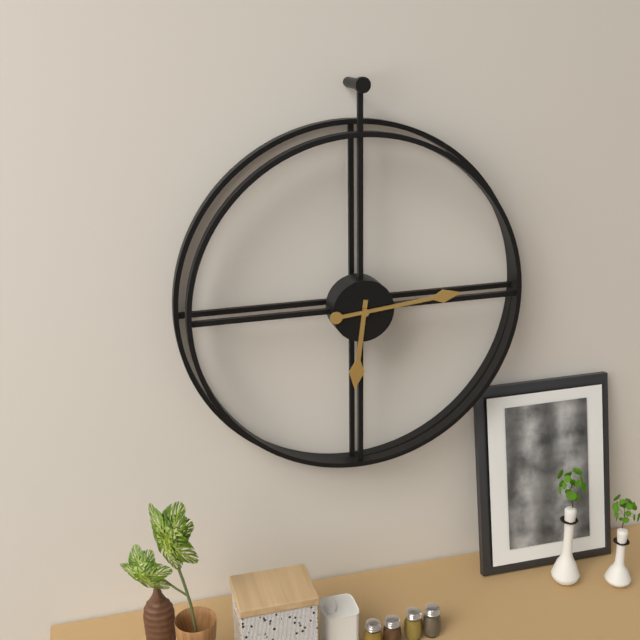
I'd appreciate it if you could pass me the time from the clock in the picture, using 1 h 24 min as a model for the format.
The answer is 6 h 14 min
